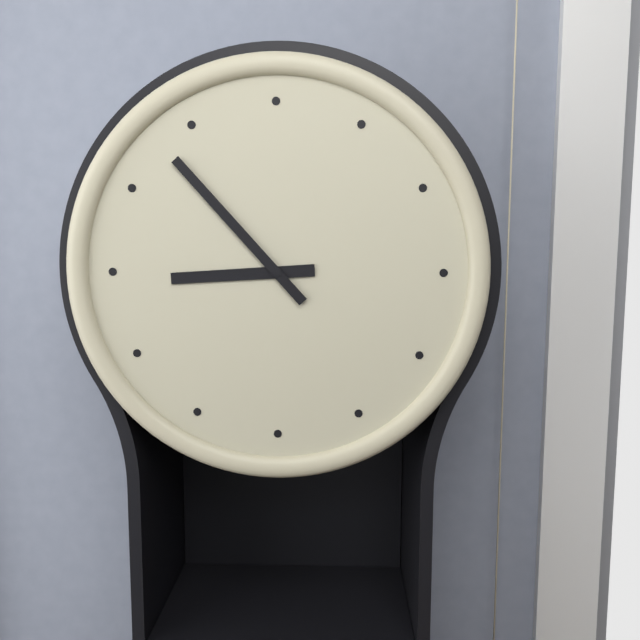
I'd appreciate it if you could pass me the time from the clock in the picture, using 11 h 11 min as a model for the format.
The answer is 8 h 53 min
